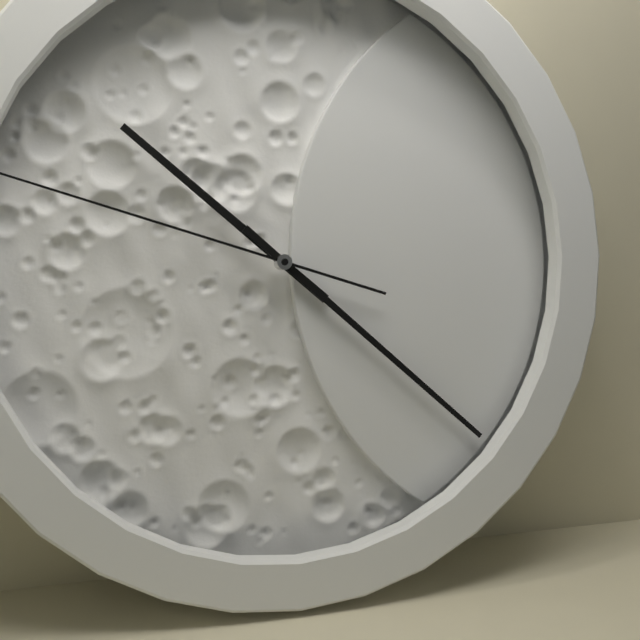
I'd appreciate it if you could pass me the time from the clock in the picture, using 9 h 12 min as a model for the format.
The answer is 10 h 22 min
